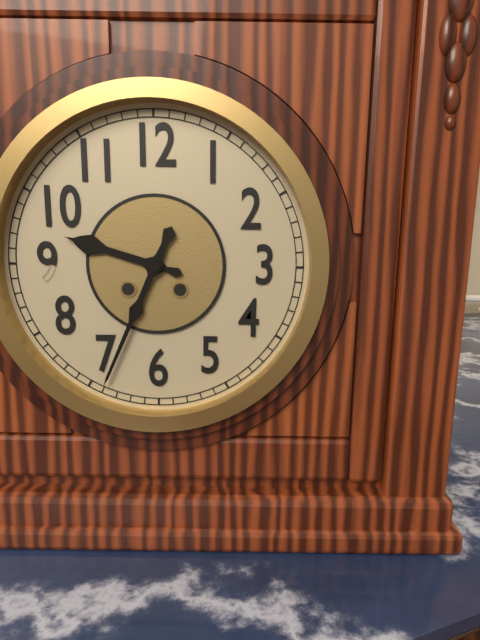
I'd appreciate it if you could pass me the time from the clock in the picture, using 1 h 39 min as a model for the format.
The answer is 9 h 34 min
